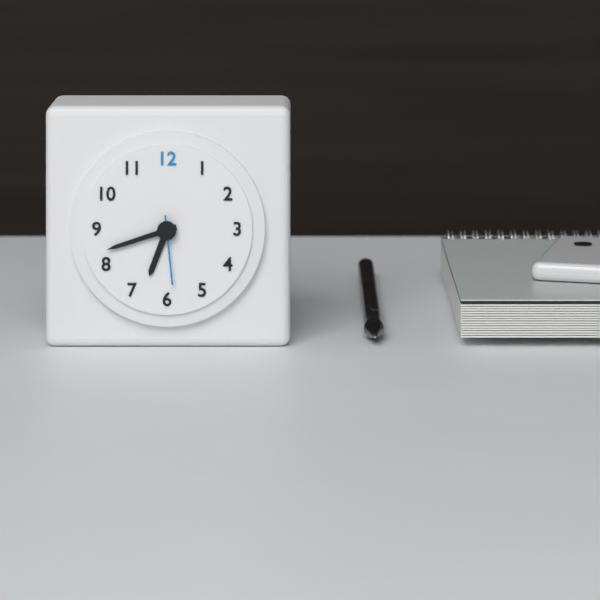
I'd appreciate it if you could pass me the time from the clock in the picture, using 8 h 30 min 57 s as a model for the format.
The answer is 6 h 42 min 29 s
